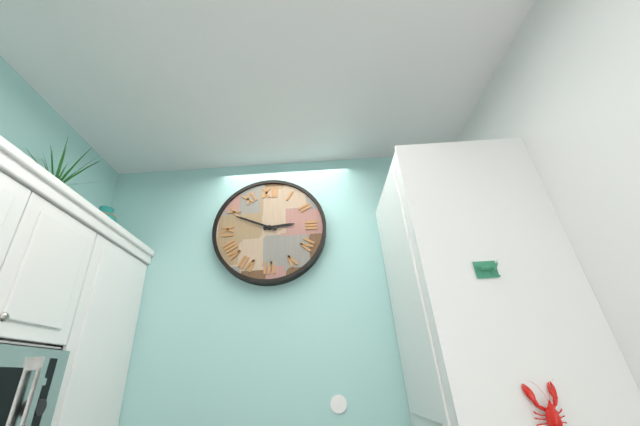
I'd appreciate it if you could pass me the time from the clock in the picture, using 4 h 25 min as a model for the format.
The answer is 2 h 49 min
